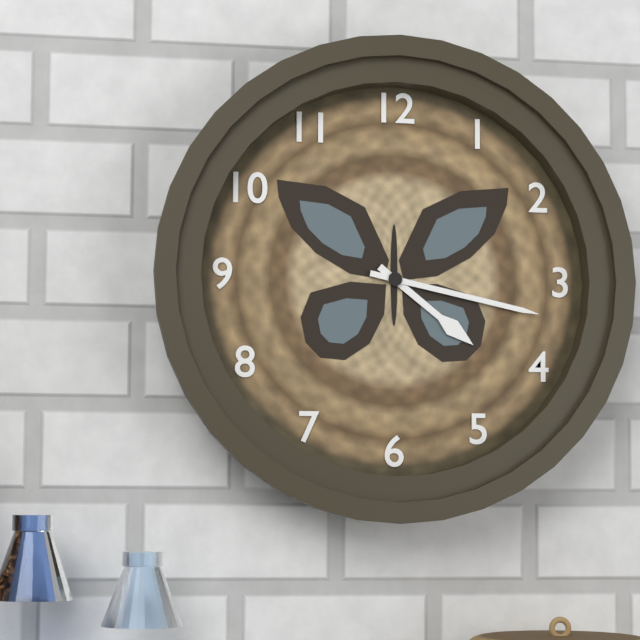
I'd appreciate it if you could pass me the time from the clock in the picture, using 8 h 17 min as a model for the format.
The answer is 4 h 17 min
